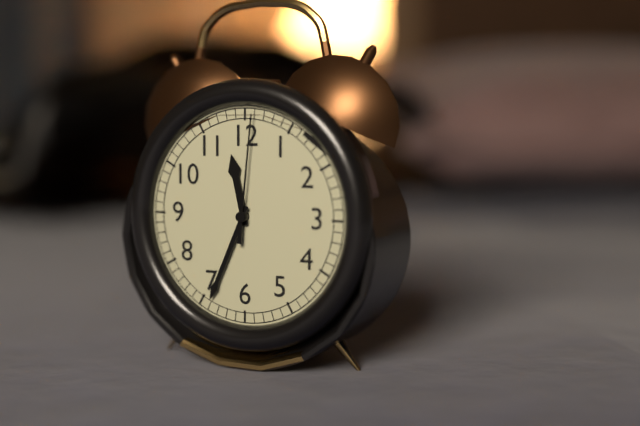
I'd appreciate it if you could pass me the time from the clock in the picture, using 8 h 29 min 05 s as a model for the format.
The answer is 11 h 34 min 01 s
